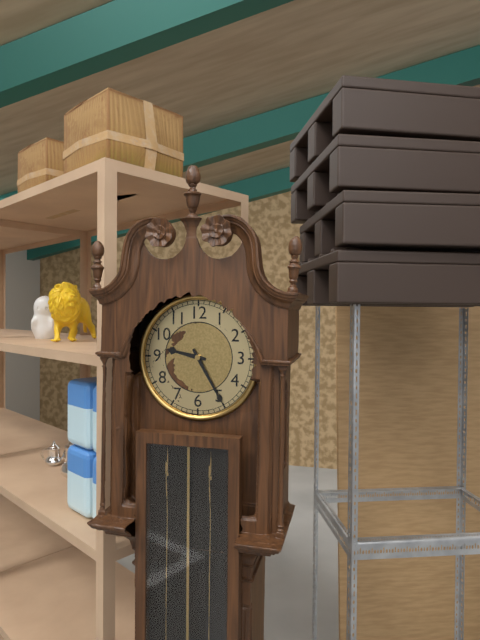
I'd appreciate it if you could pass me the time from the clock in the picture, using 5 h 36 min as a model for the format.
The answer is 9 h 25 min
